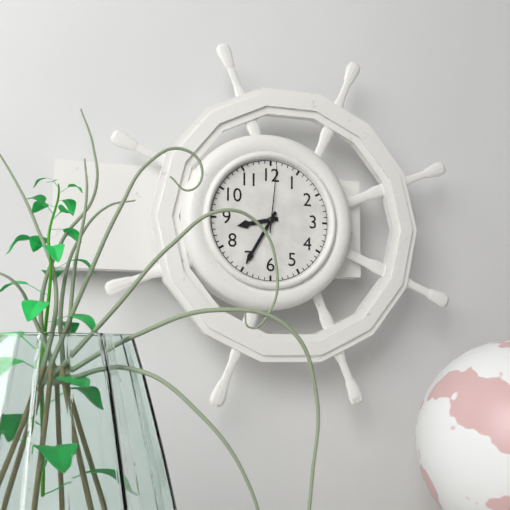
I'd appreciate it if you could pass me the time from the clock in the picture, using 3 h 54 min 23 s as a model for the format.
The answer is 8 h 35 min 01 s
